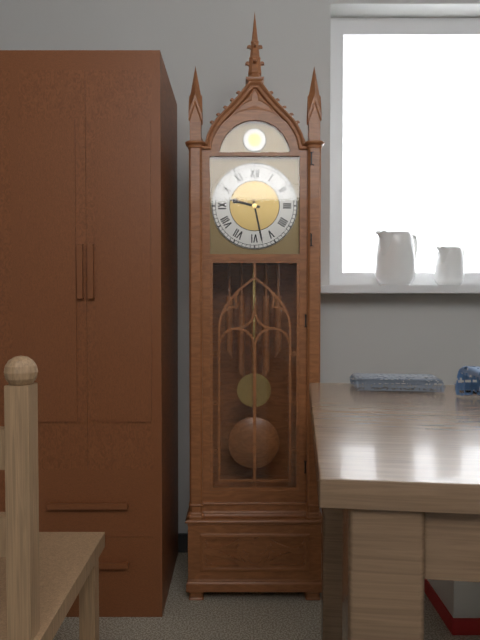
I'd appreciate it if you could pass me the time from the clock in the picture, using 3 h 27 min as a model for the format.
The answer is 9 h 28 min
